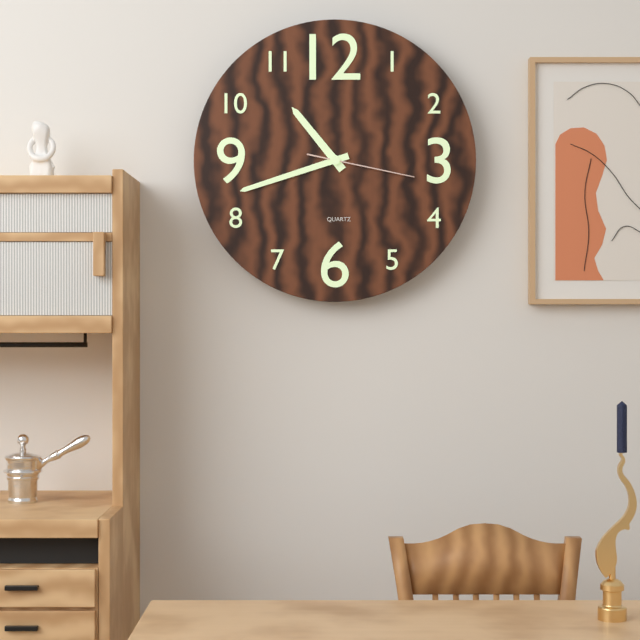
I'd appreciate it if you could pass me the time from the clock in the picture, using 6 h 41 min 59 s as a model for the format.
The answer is 10 h 42 min 17 s
